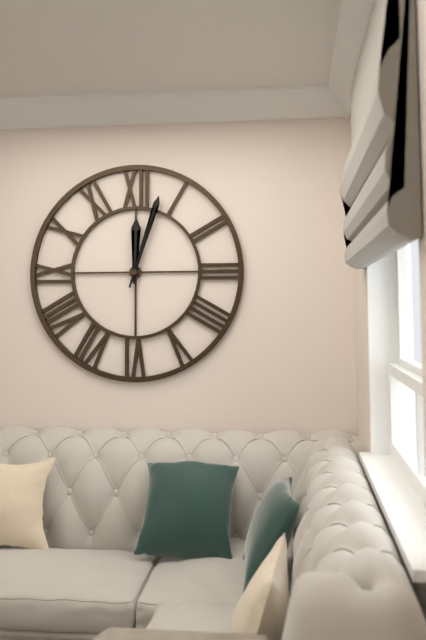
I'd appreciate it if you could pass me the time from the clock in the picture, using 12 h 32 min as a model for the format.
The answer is 12 h 03 min
